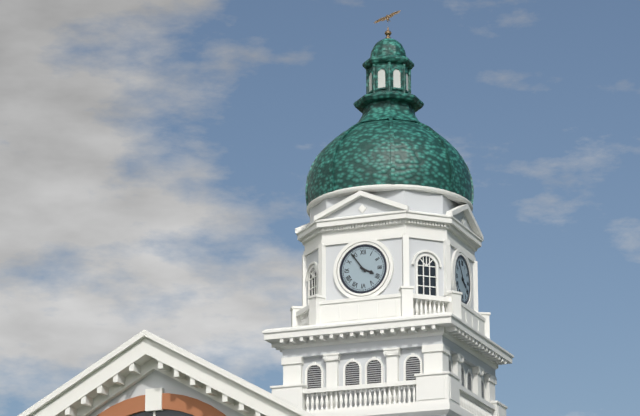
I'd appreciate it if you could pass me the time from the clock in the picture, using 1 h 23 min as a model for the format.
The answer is 3 h 54 min
